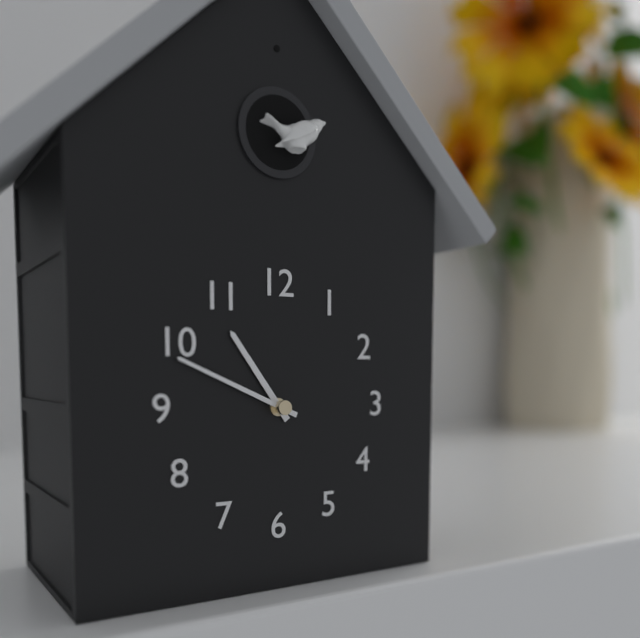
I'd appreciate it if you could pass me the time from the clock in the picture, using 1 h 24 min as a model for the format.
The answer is 10 h 49 min
